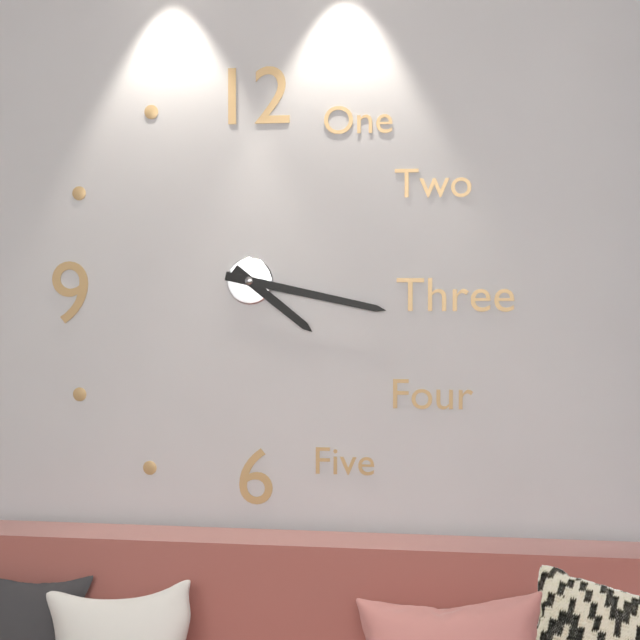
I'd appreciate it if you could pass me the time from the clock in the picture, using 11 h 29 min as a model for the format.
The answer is 4 h 17 min
